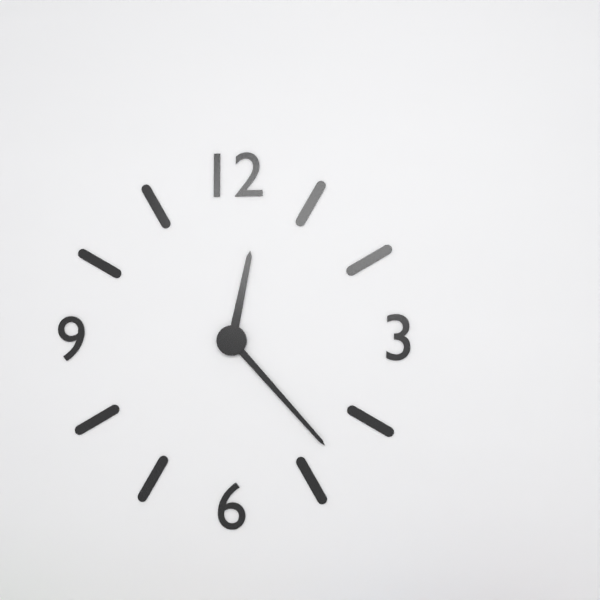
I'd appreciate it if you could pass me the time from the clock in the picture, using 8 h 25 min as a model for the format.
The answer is 12 h 23 min
